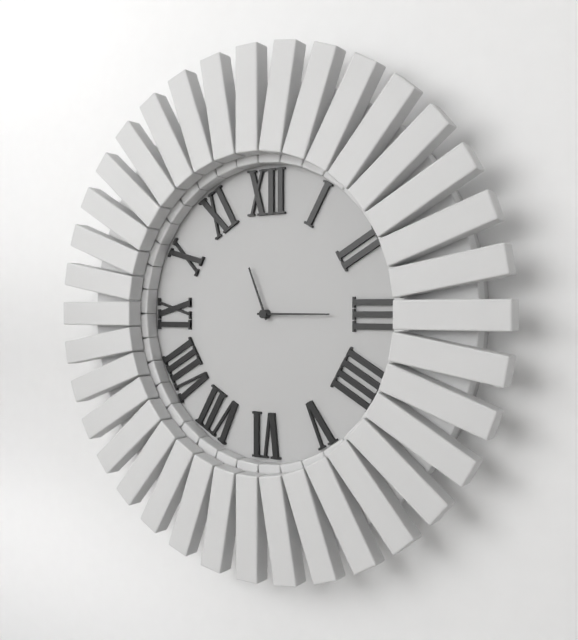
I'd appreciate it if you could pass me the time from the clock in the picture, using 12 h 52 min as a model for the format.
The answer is 11 h 15 min
